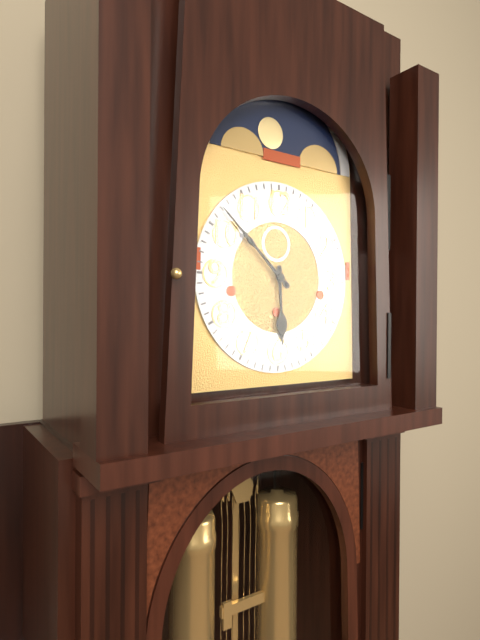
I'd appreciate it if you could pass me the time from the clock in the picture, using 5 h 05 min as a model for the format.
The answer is 5 h 52 min
